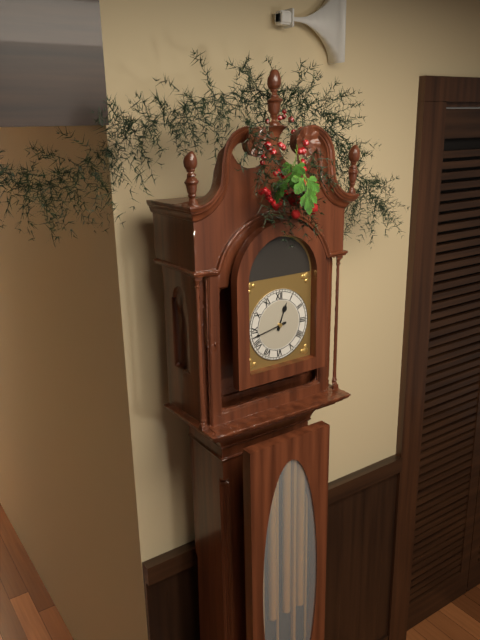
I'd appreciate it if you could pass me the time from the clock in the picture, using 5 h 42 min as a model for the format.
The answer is 12 h 43 min
